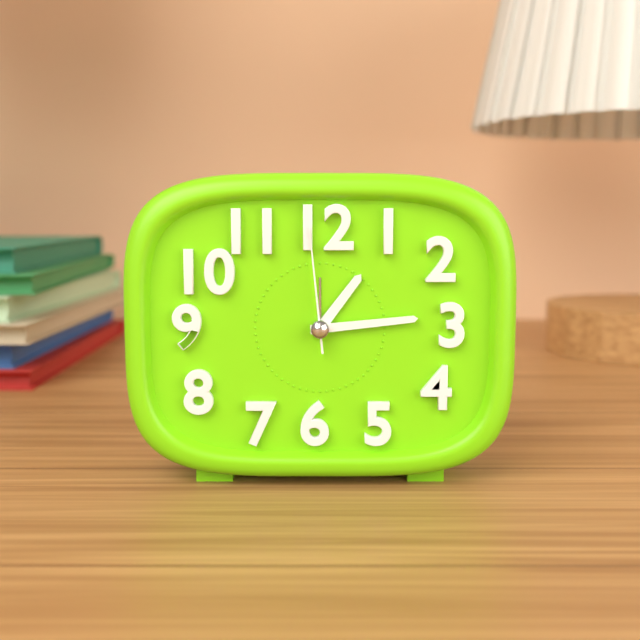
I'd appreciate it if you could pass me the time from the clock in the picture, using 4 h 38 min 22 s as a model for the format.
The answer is 1 h 14 min 59 s
